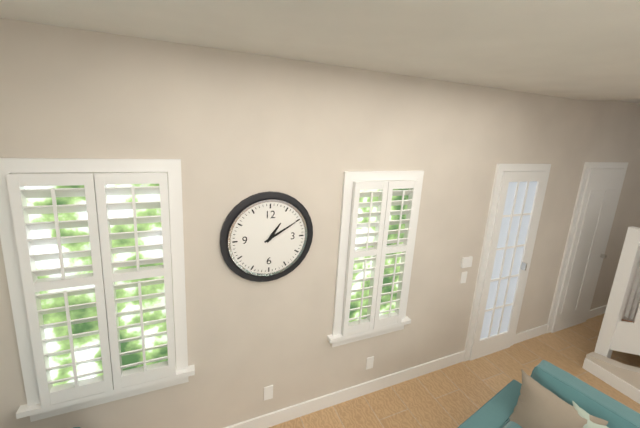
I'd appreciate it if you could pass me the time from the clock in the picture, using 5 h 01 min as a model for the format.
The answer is 1 h 10 min
